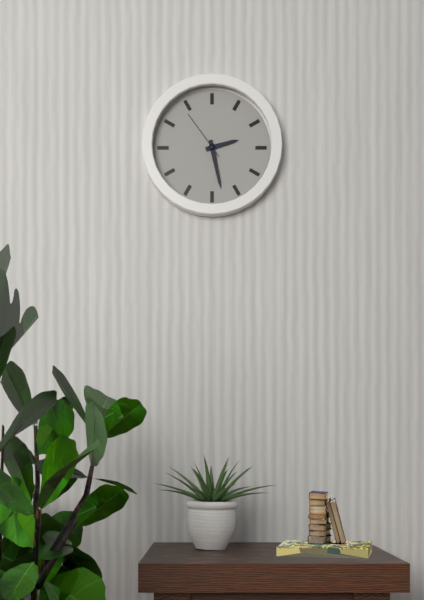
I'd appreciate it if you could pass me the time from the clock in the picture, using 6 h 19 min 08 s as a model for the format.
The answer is 2 h 28 min 54 s
